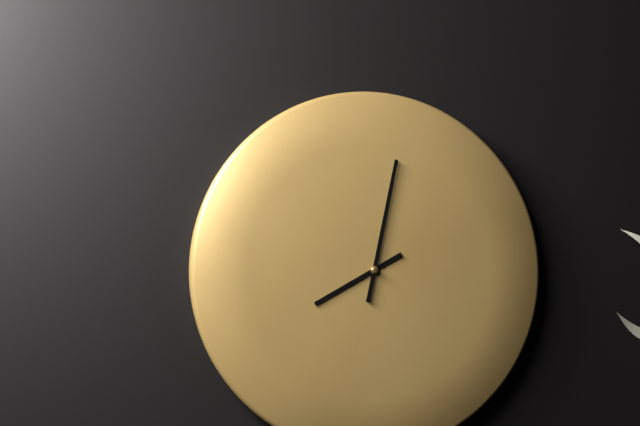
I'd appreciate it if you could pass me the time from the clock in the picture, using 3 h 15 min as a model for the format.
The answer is 8 h 02 min
